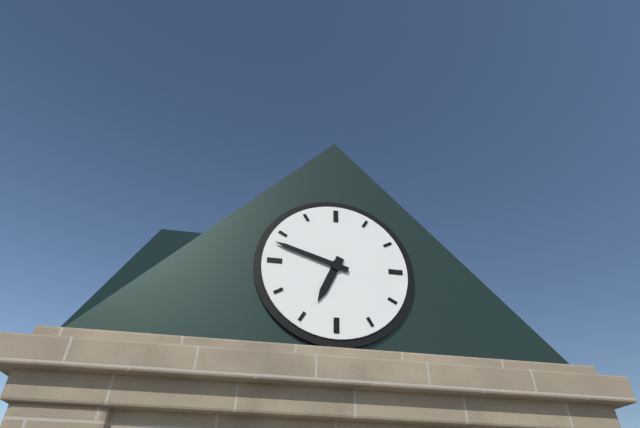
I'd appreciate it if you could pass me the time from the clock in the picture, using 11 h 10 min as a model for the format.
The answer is 6 h 48 min
